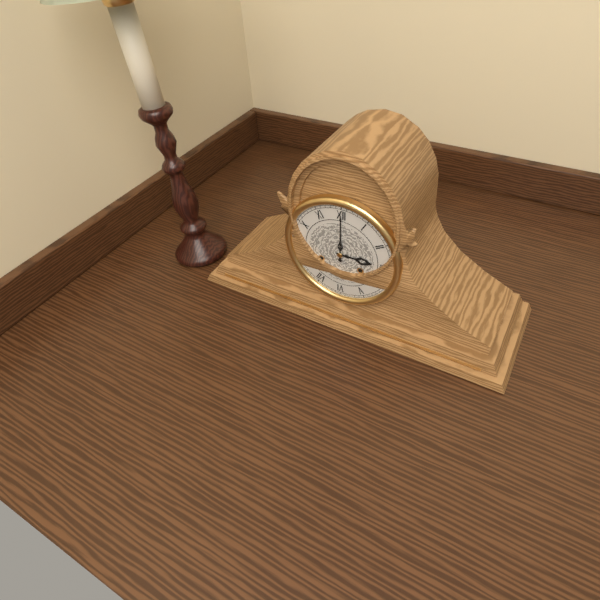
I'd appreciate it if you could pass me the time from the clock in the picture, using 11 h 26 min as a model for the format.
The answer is 3 h 00 min
